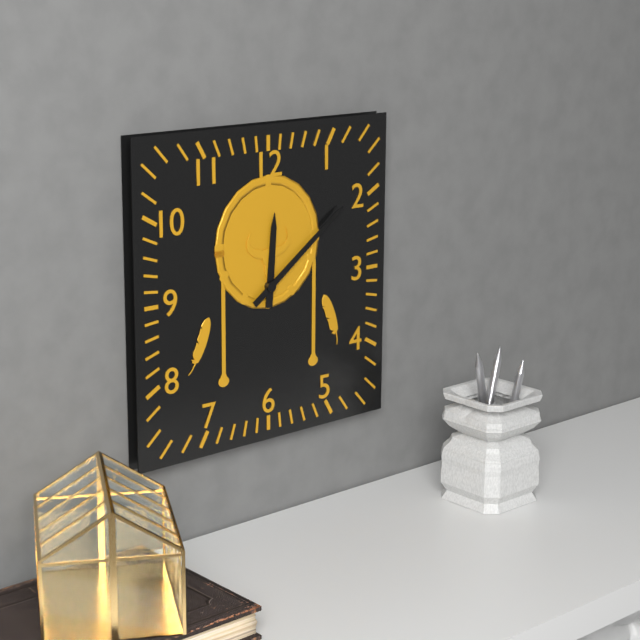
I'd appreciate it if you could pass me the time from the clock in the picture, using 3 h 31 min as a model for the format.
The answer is 12 h 09 min
